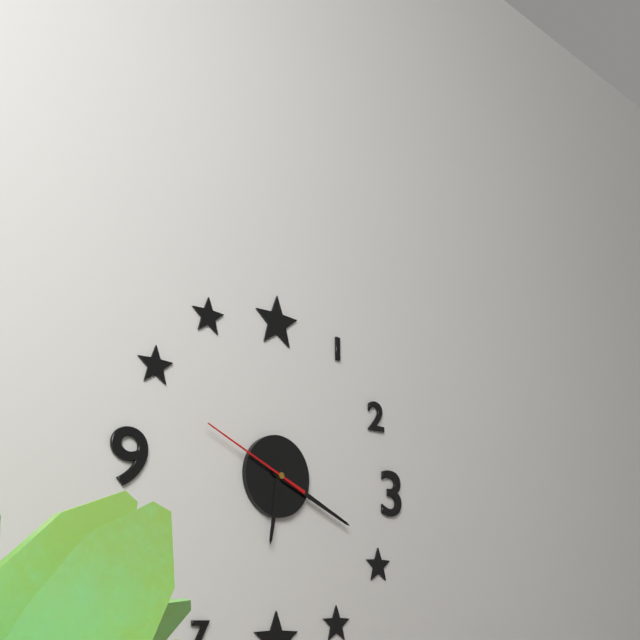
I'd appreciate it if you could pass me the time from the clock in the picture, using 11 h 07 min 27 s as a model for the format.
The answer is 6 h 19 min 49 s
